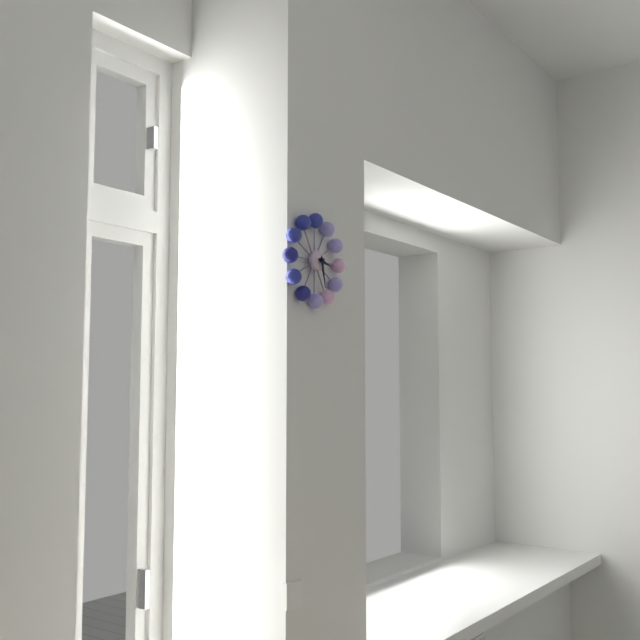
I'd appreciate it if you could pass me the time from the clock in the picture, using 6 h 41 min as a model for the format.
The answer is 3 h 28 min
